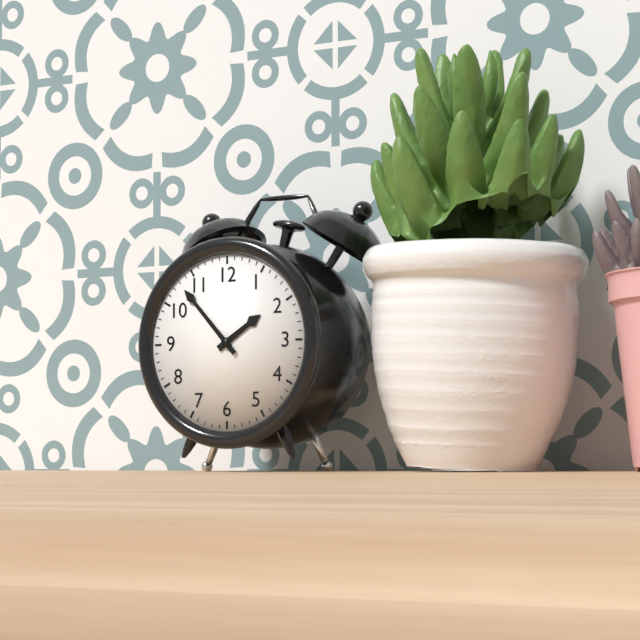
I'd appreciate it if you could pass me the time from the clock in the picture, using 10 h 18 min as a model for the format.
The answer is 1 h 53 min
